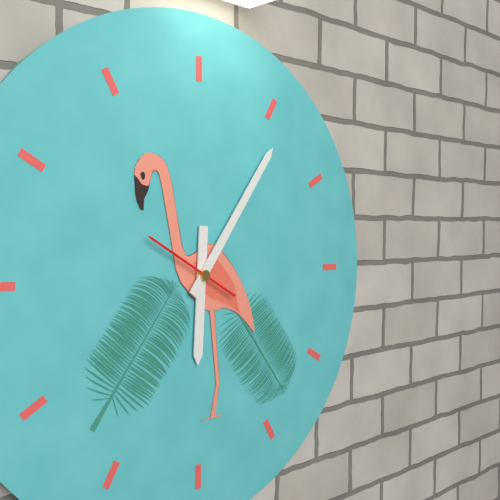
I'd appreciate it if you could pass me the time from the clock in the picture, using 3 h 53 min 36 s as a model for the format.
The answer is 6 h 06 min 50 s
